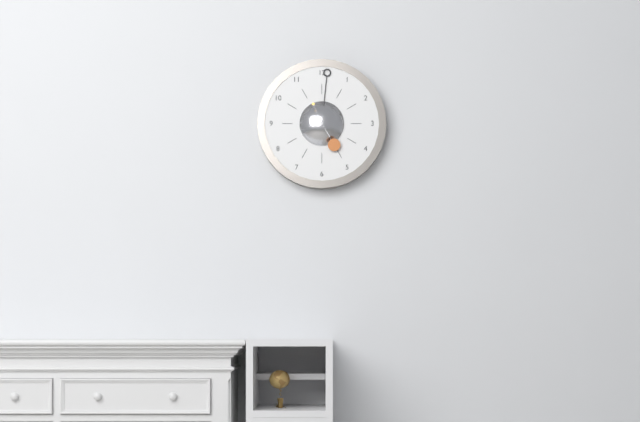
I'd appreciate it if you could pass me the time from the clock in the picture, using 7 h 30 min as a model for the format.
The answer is 5 h 01 min
